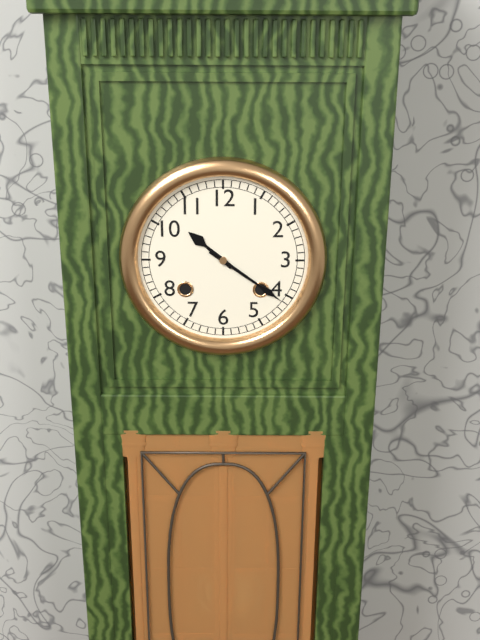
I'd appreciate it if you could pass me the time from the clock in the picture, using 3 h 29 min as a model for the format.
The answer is 10 h 21 min
